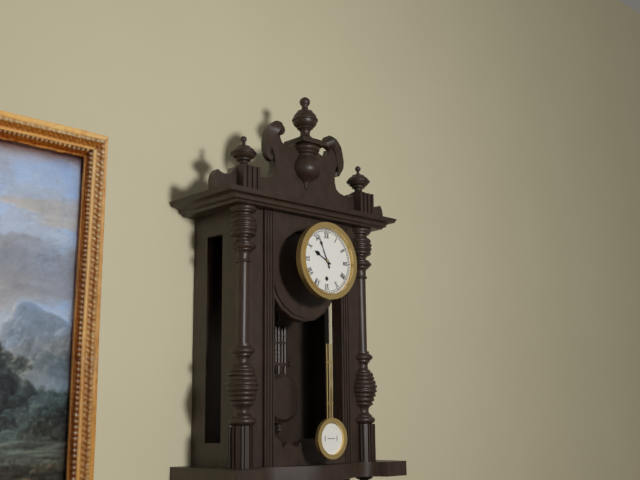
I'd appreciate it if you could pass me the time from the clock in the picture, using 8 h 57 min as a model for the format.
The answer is 9 h 56 min
